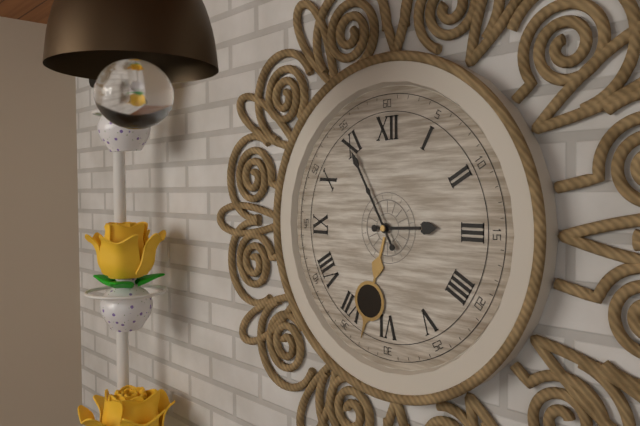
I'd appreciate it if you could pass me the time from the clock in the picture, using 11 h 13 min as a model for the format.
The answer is 2 h 55 min
